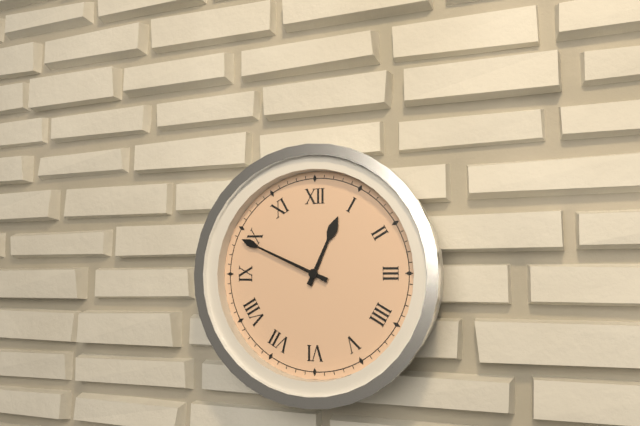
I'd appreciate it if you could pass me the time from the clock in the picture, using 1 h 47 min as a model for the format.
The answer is 12 h 49 min
